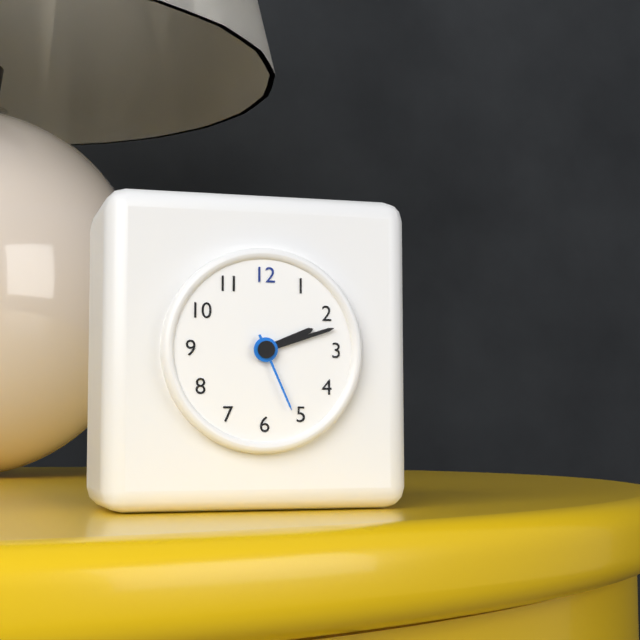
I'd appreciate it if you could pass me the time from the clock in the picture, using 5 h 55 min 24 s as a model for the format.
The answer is 2 h 12 min 26 s
